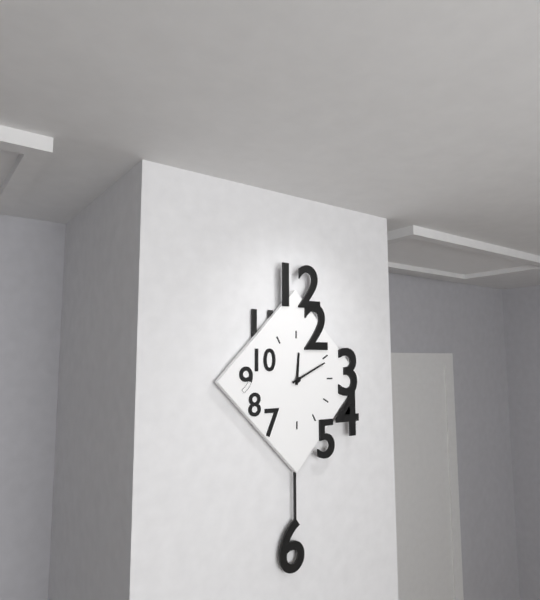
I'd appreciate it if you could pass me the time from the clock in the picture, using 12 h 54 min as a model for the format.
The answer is 12 h 11 min
